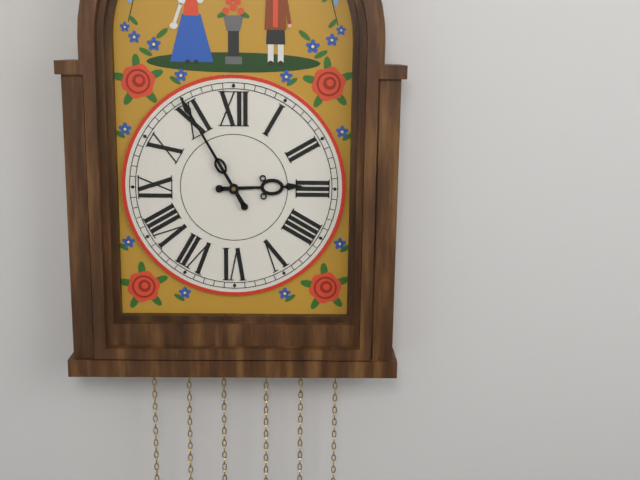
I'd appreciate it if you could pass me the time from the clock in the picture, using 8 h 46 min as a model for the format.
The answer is 2 h 55 min
